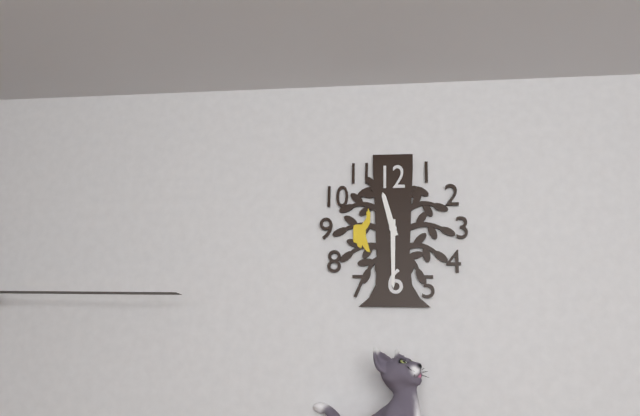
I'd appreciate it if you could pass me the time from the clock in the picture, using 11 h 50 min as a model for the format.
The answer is 11 h 30 min
